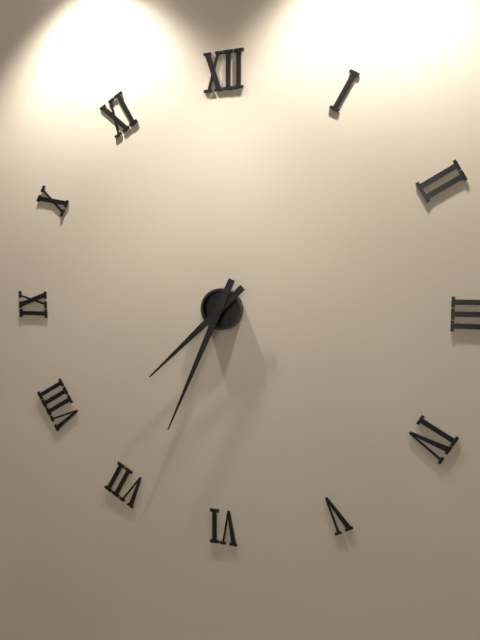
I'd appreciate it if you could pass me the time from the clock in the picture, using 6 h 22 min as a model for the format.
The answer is 7 h 34 min
